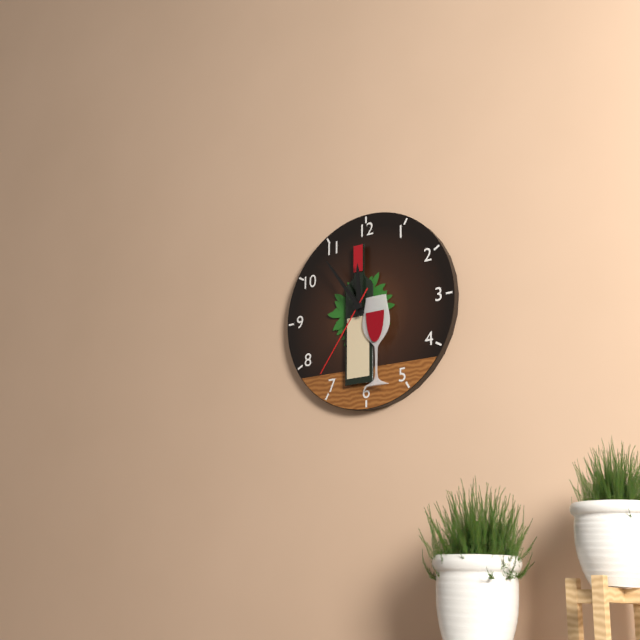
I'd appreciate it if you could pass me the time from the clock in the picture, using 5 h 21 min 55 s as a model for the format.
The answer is 11 h 54 min 36 s
